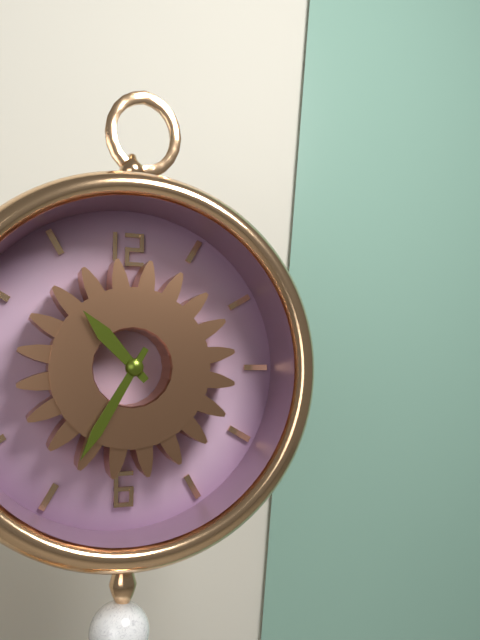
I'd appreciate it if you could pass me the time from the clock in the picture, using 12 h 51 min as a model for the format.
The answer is 10 h 35 min
